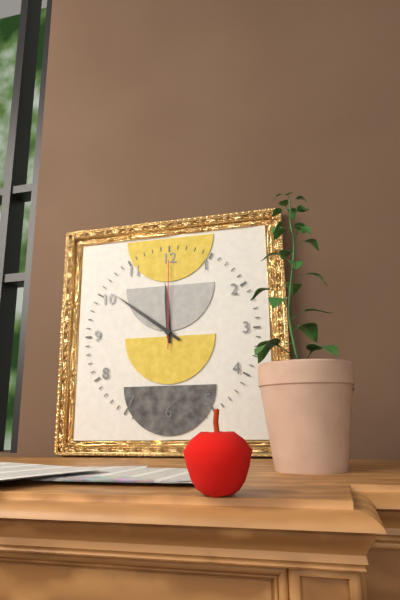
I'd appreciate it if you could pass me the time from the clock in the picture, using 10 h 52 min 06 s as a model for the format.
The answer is 11 h 51 min 00 s
